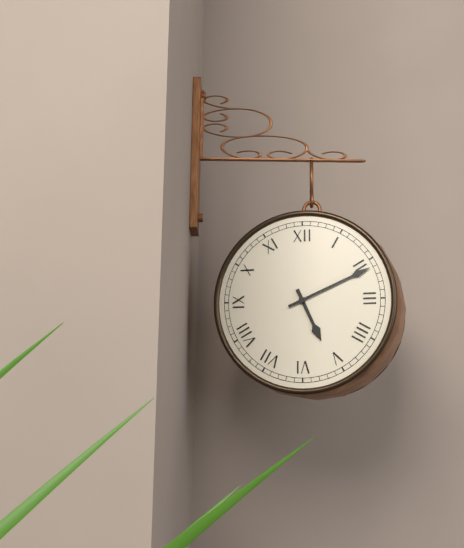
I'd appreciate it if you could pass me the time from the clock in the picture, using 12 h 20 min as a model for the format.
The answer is 5 h 11 min
